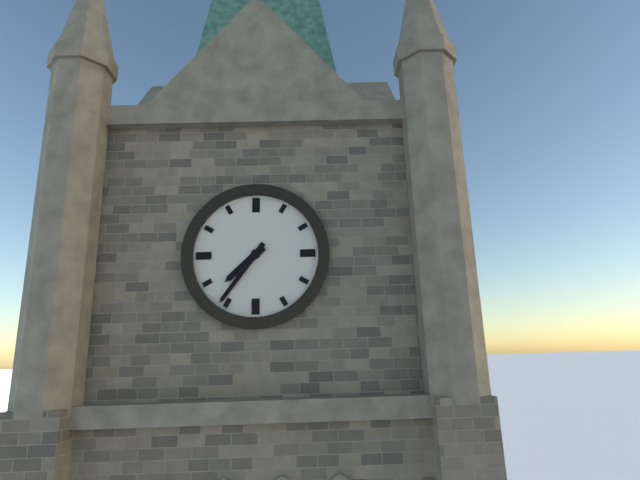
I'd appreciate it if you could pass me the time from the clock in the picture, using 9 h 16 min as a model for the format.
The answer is 7 h 36 min
